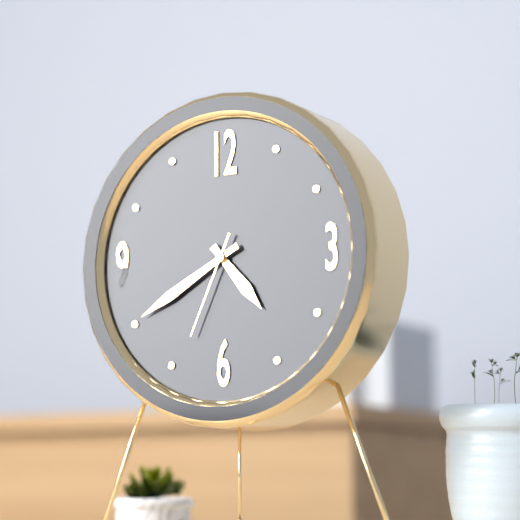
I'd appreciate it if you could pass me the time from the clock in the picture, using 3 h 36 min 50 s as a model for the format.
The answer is 4 h 40 min 34 s
